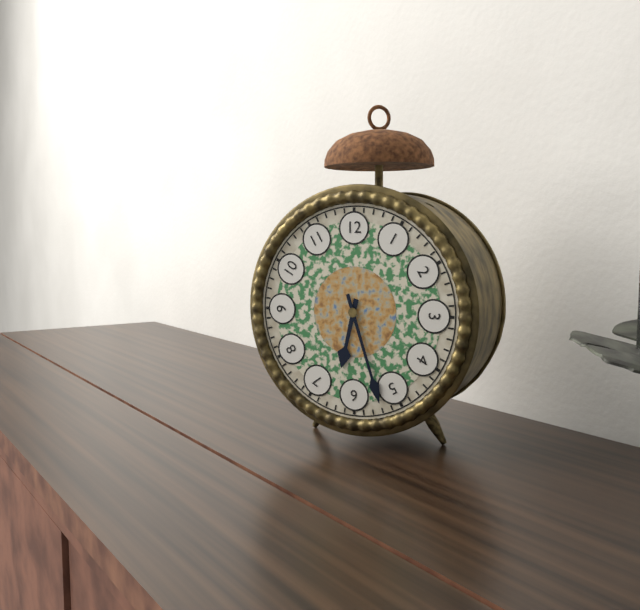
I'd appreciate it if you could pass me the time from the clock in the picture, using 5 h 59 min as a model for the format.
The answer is 6 h 27 min
